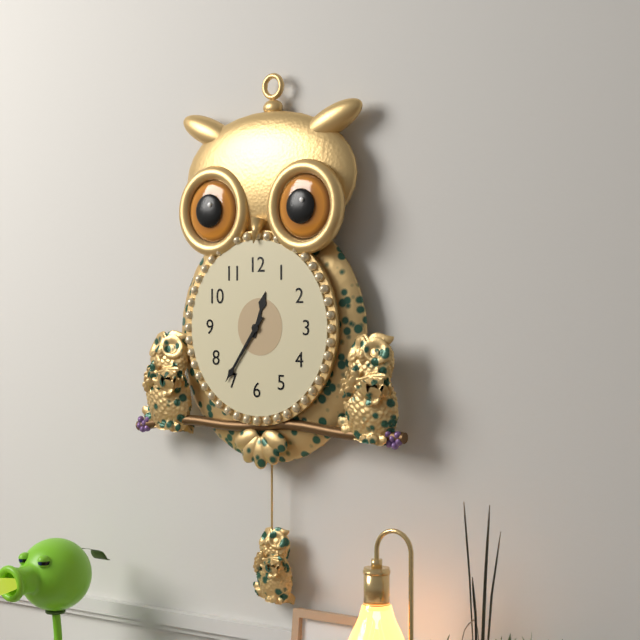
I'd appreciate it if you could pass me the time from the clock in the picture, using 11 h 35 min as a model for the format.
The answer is 12 h 36 min
